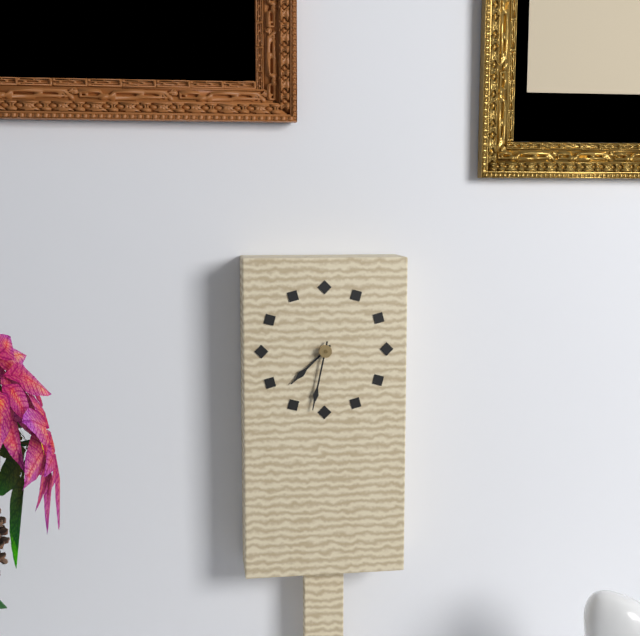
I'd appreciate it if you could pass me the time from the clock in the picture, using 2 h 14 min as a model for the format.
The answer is 7 h 32 min
